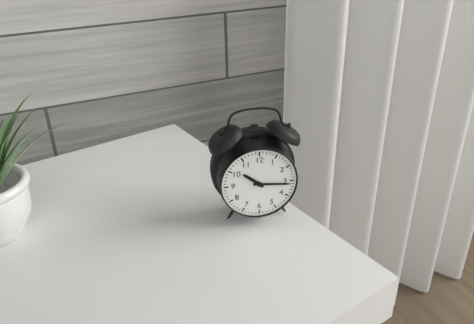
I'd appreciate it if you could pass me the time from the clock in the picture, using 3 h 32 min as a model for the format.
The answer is 10 h 16 min
